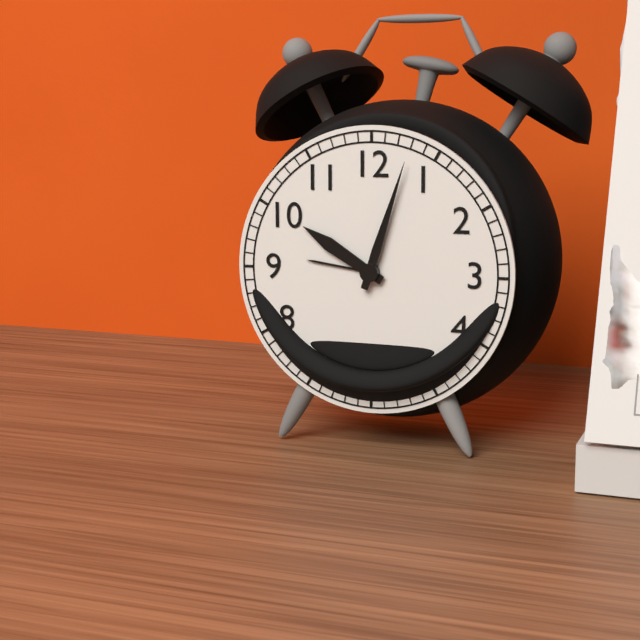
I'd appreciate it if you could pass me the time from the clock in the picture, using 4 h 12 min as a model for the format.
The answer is 10 h 03 min
